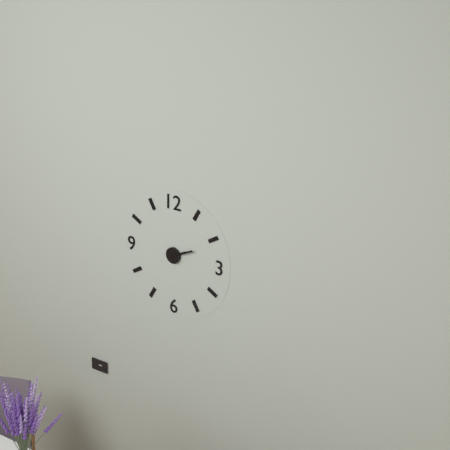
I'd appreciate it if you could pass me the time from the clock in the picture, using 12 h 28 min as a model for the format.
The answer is 2 h 11 min
